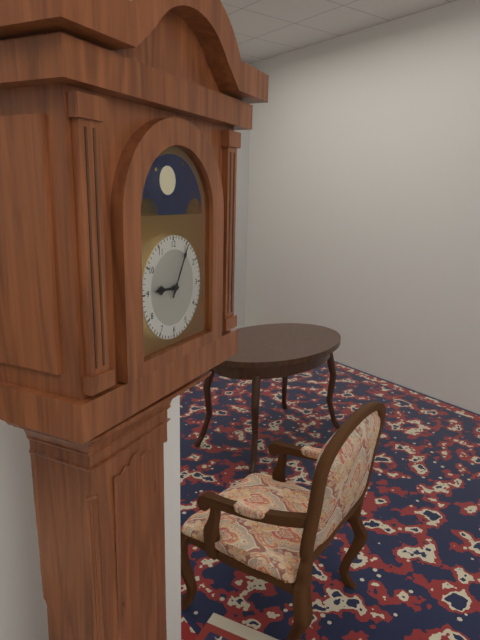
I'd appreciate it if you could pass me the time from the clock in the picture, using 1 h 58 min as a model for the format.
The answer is 9 h 05 min
